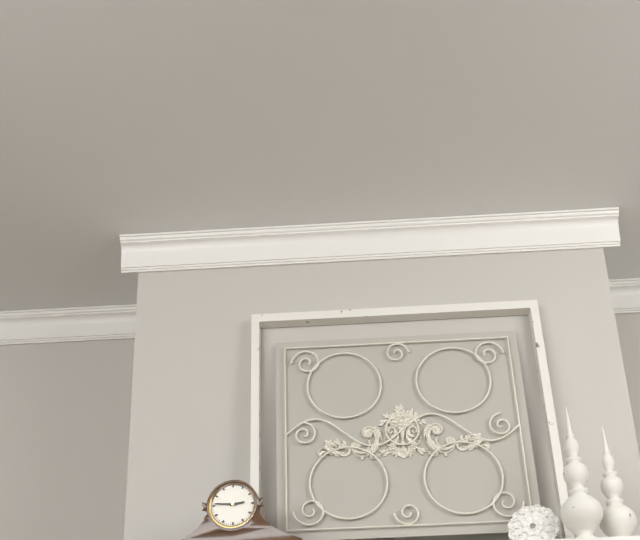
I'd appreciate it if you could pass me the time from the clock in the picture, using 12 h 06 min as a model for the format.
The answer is 2 h 46 min
